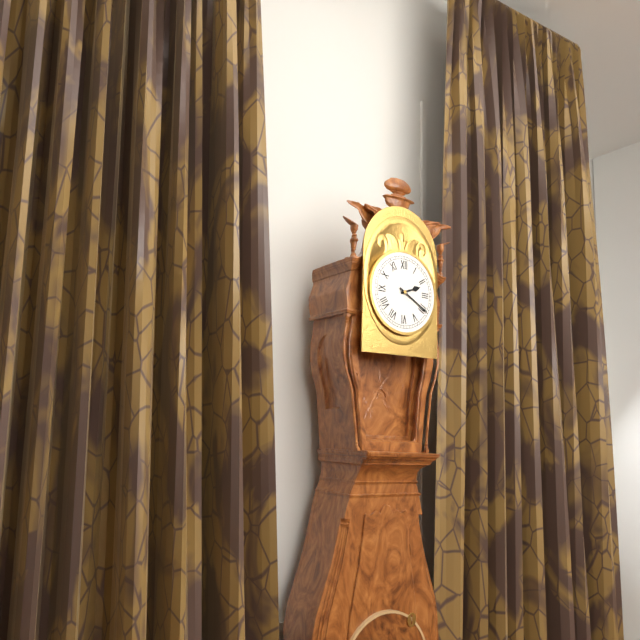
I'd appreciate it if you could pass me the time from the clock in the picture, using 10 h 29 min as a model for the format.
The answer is 2 h 20 min
